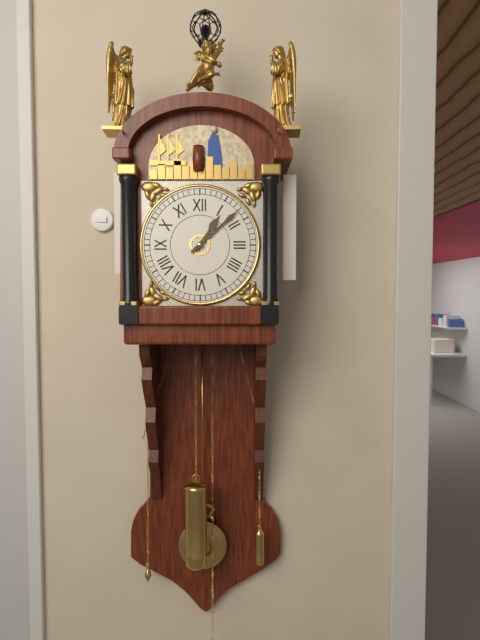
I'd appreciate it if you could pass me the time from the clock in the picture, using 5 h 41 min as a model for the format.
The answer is 1 h 08 min
